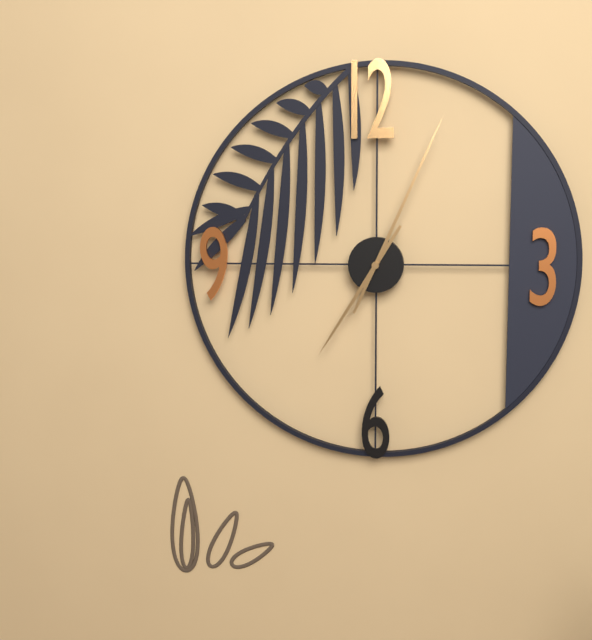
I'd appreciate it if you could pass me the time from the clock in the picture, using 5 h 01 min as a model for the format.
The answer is 7 h 04 min
